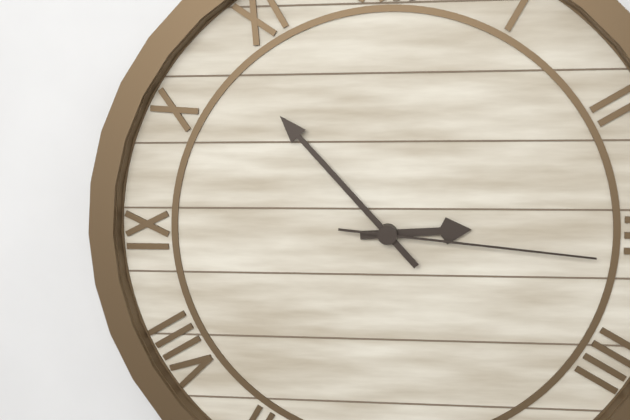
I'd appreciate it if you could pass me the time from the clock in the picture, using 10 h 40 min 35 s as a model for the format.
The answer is 2 h 53 min 16 s
